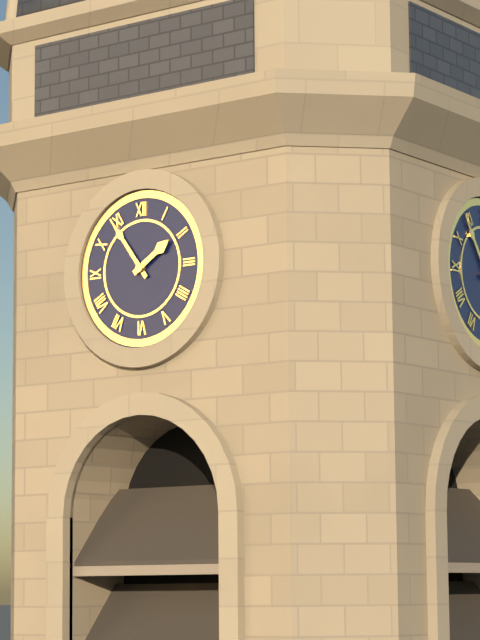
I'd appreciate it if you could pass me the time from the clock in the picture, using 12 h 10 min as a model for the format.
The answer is 1 h 54 min
